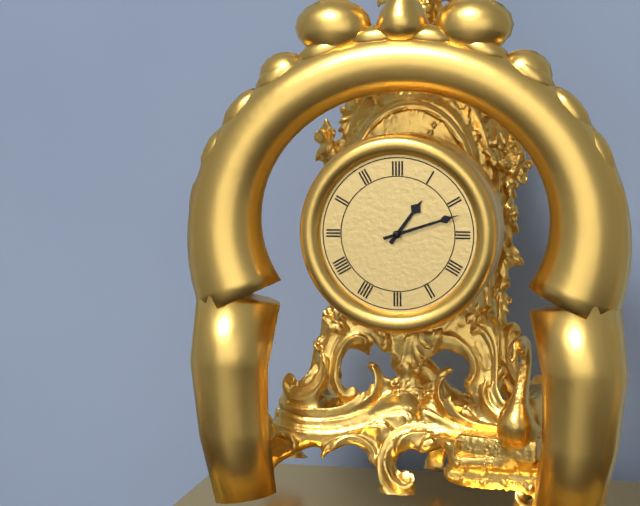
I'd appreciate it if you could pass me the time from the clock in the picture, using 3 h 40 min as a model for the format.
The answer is 1 h 12 min
